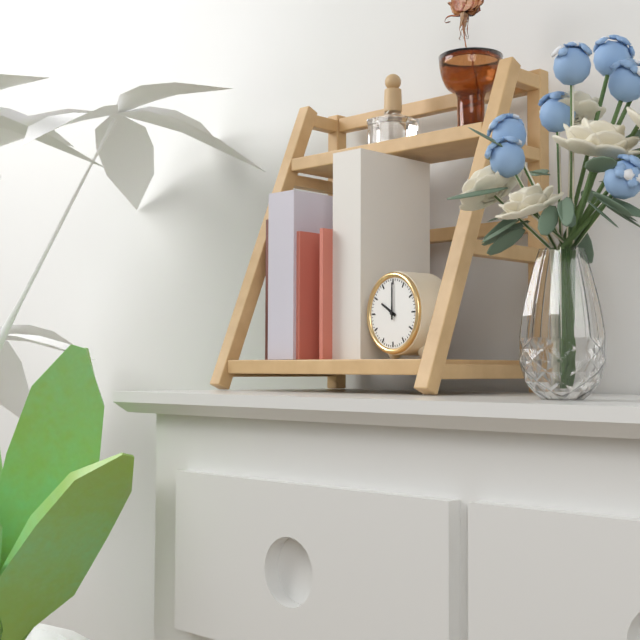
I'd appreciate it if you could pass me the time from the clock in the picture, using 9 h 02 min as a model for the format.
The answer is 10 h 00 min
